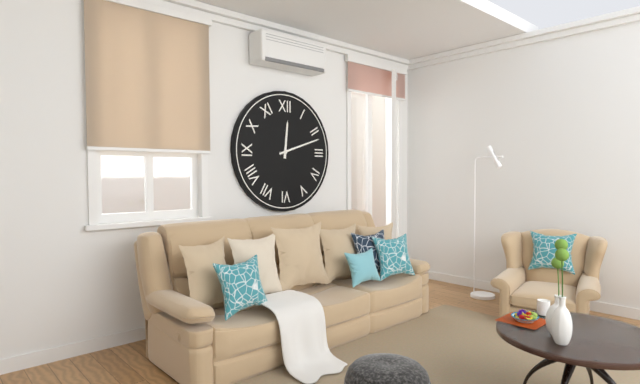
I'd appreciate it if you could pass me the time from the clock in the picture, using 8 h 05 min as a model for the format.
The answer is 12 h 12 min
